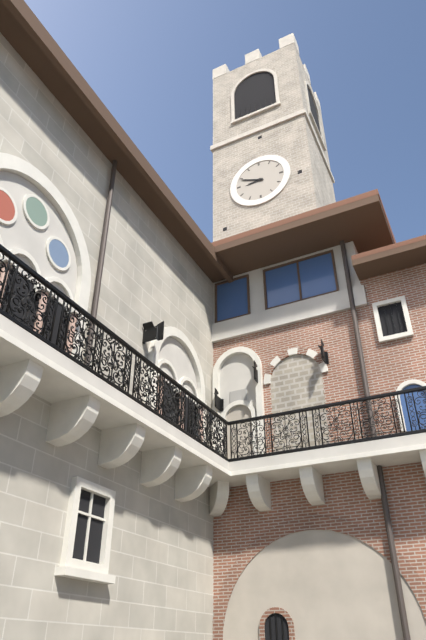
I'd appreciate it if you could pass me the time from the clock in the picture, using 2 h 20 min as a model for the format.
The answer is 8 h 49 min
